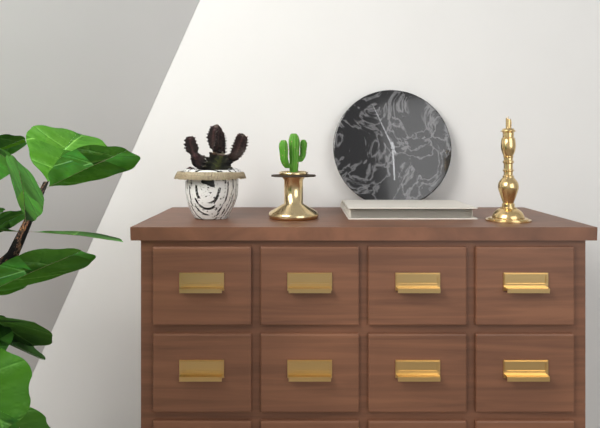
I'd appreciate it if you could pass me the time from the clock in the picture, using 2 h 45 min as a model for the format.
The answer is 5 h 56 min
